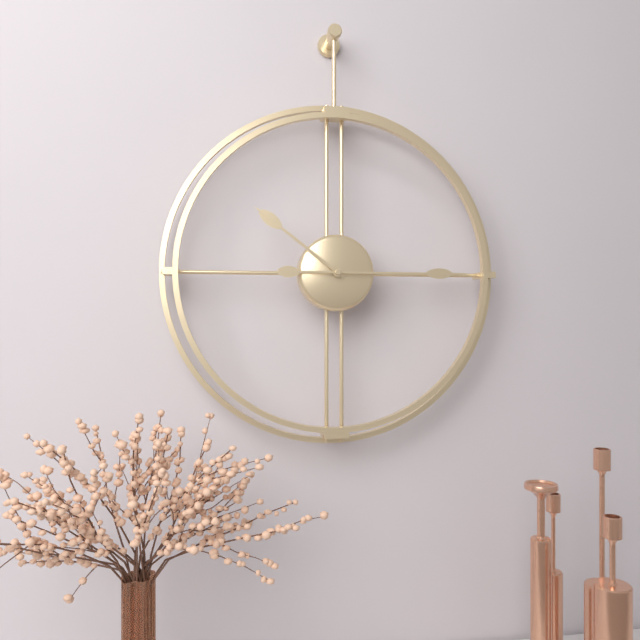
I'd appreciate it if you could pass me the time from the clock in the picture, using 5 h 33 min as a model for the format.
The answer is 10 h 15 min
